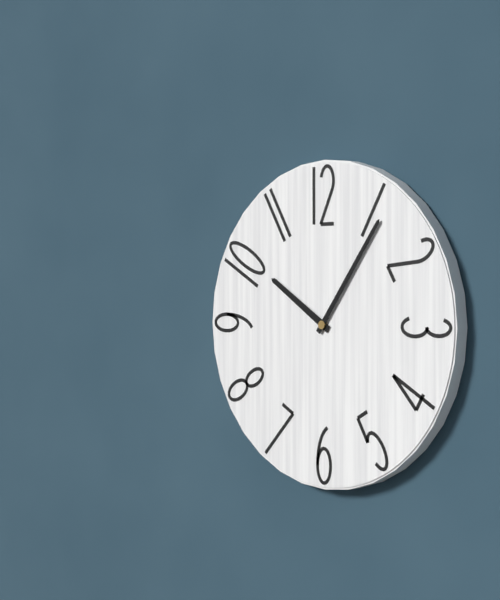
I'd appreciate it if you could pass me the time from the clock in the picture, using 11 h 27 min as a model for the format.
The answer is 10 h 06 min
